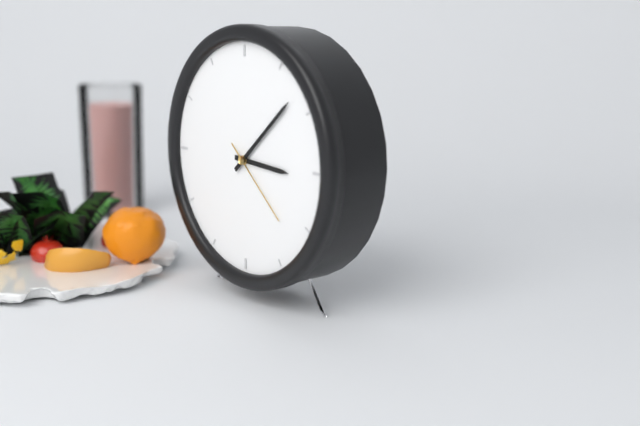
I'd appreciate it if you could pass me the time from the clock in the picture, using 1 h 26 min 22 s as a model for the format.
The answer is 3 h 08 min 22 s
